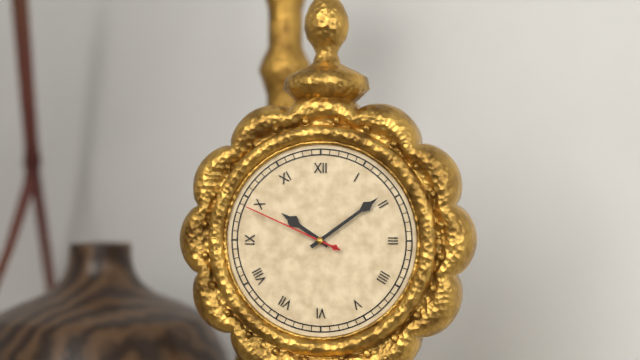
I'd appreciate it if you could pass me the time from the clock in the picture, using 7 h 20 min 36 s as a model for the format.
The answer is 10 h 09 min 49 s
